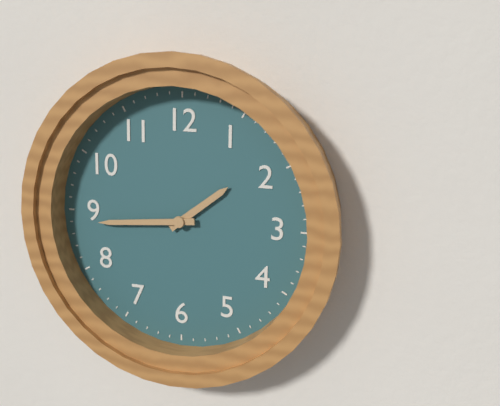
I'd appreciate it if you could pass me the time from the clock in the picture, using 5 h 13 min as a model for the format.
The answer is 1 h 44 min
